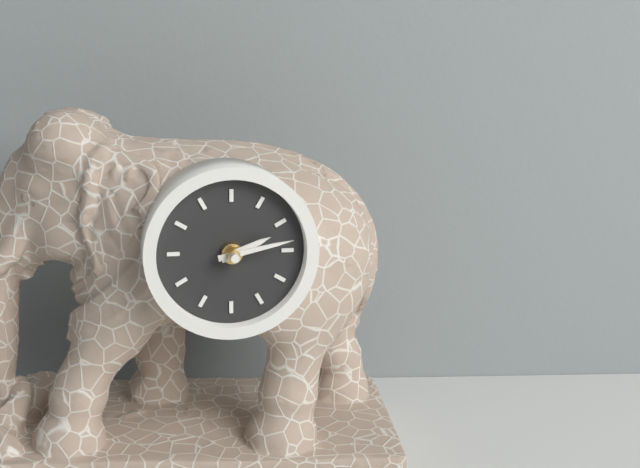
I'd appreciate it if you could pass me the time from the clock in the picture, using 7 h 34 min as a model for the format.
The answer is 2 h 13 min
